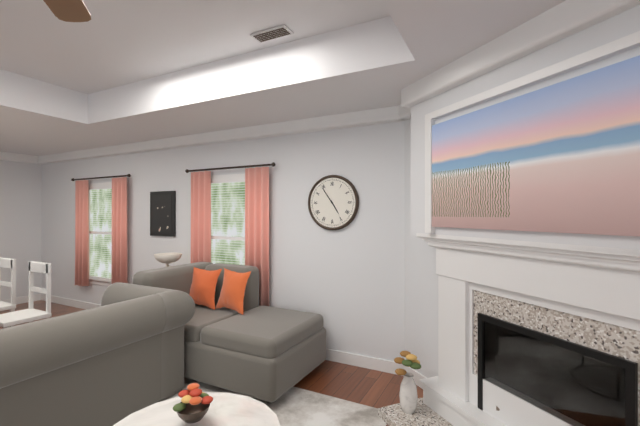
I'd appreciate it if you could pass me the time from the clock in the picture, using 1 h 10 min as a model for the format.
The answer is 4 h 54 min
